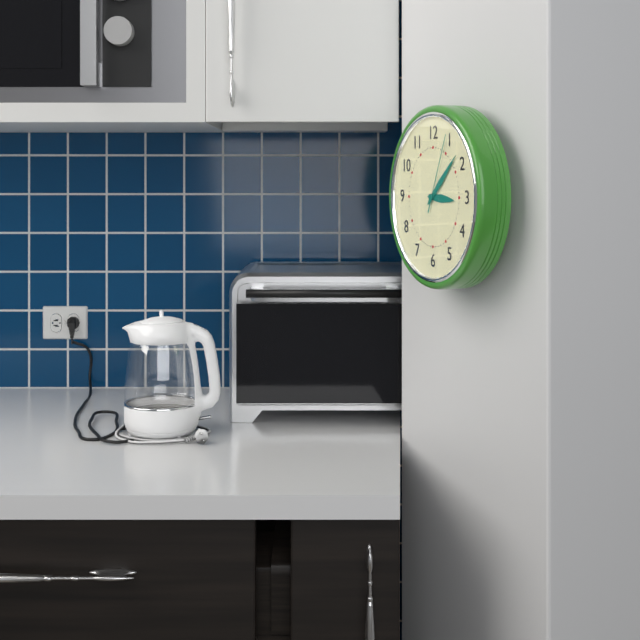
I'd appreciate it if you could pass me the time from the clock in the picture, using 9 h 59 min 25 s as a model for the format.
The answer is 3 h 08 min 04 s
